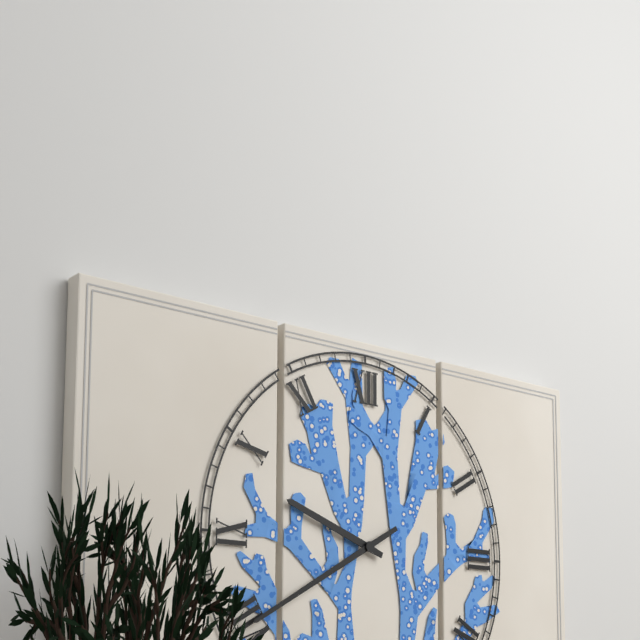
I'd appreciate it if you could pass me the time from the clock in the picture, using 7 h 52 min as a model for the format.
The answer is 9 h 40 min
